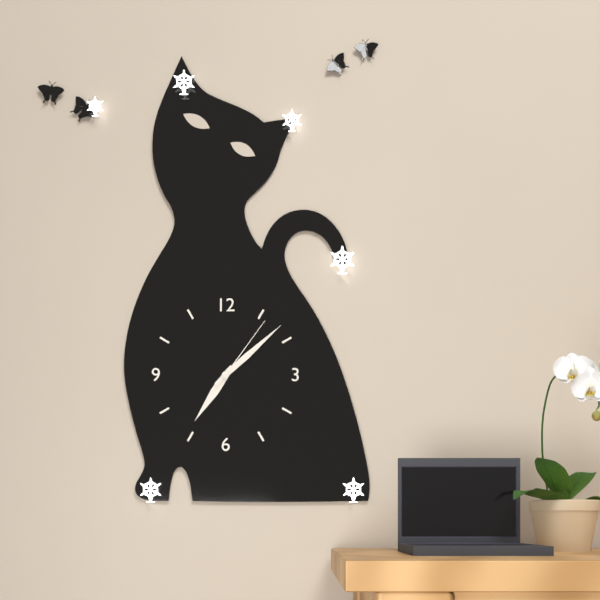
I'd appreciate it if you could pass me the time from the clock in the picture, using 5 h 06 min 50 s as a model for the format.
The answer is 7 h 08 min 06 s
